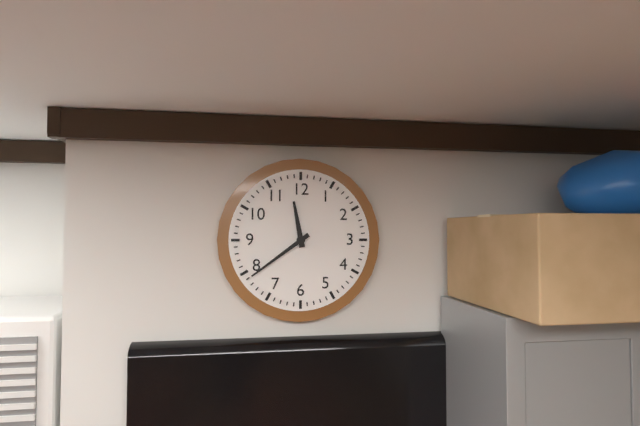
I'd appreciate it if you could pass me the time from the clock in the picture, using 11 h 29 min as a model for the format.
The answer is 11 h 39 min
